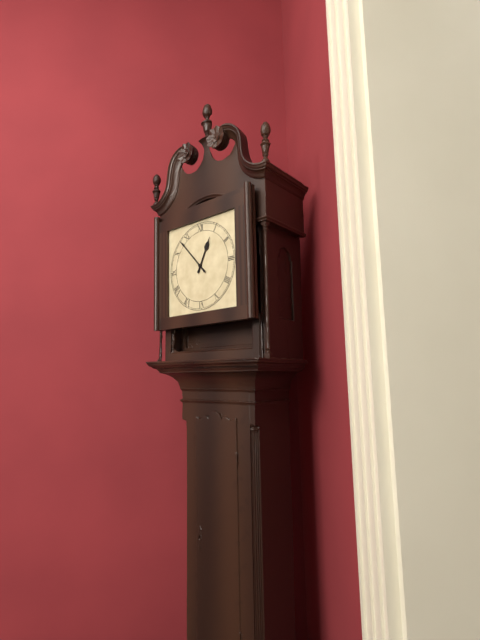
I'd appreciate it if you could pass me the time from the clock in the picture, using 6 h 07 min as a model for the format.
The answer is 12 h 53 min
